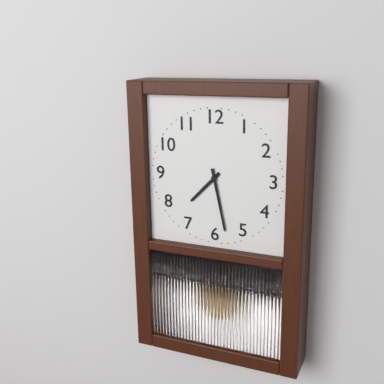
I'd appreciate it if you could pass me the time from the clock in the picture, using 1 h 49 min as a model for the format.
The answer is 7 h 28 min
